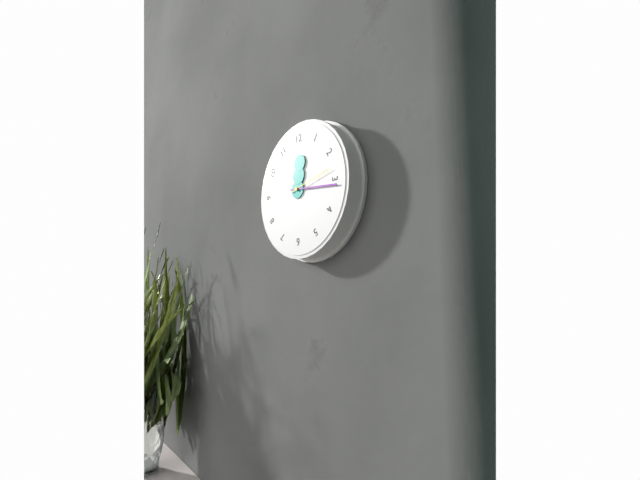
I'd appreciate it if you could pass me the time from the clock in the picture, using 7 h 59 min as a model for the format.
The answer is 12 h 16 min
